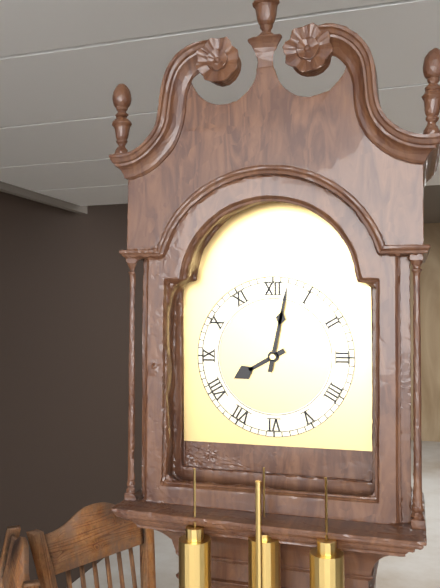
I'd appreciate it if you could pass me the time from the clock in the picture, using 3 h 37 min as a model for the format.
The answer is 8 h 02 min
